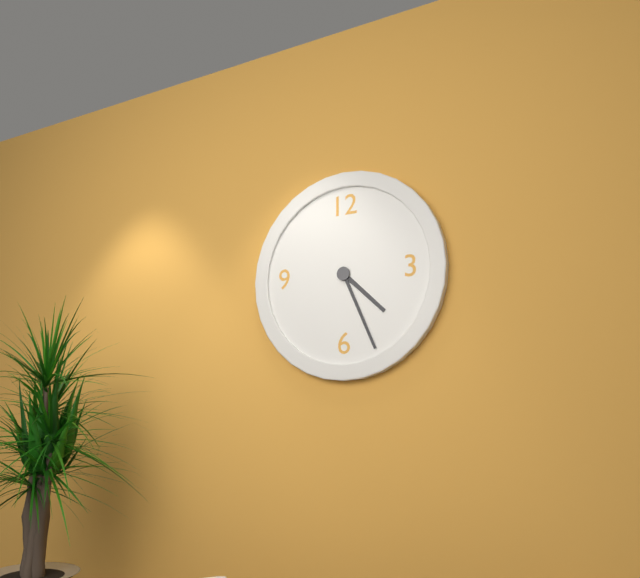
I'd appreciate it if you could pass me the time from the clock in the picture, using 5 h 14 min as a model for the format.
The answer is 4 h 26 min
